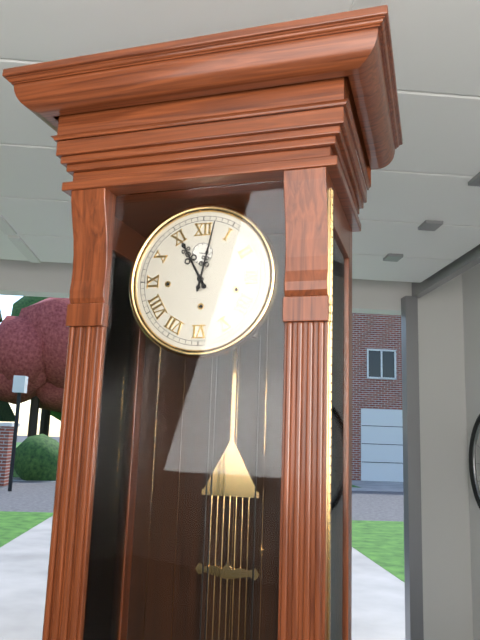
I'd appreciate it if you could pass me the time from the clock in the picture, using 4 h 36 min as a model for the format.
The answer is 11 h 02 min
